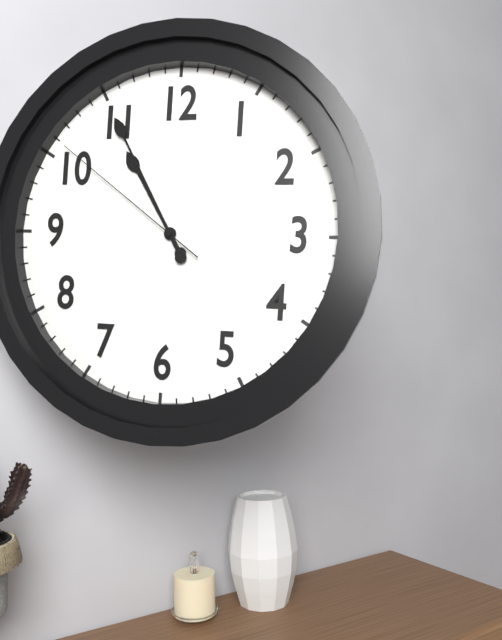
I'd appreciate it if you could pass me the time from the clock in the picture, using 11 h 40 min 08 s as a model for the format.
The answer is 10 h 55 min 51 s
